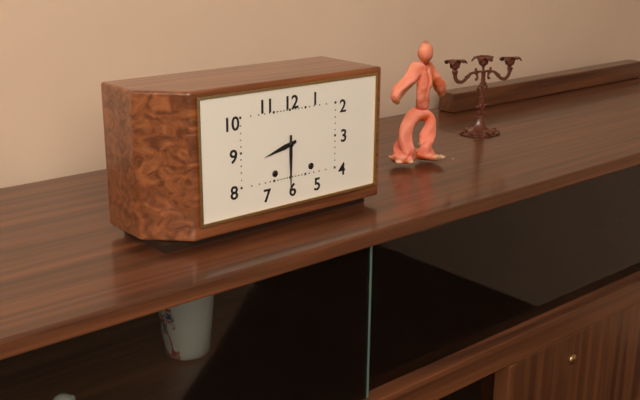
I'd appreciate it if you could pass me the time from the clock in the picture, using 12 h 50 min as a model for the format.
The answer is 8 h 30 min
